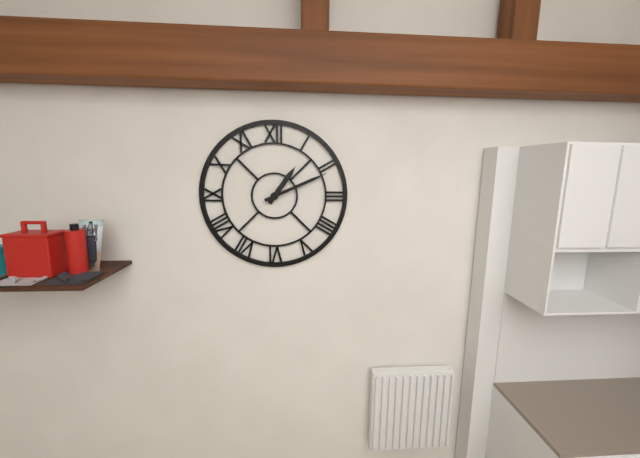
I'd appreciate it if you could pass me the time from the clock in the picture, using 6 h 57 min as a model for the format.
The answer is 1 h 11 min
